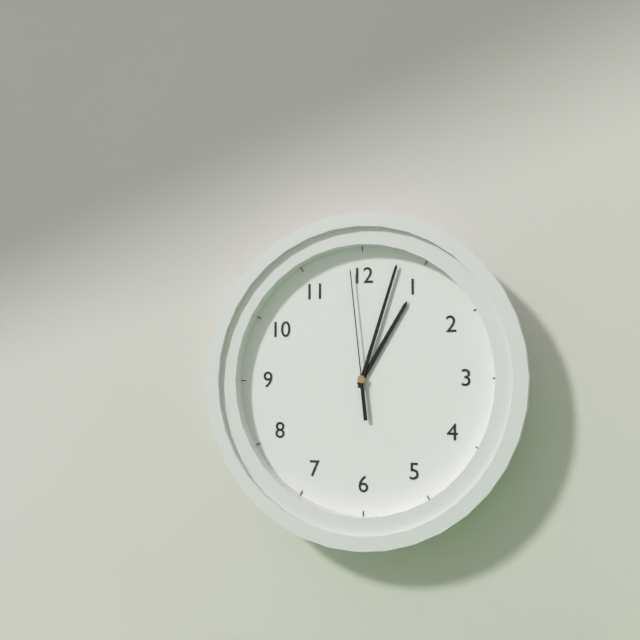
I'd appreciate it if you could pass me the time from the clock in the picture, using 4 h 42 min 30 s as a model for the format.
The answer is 1 h 03 min 59 s
